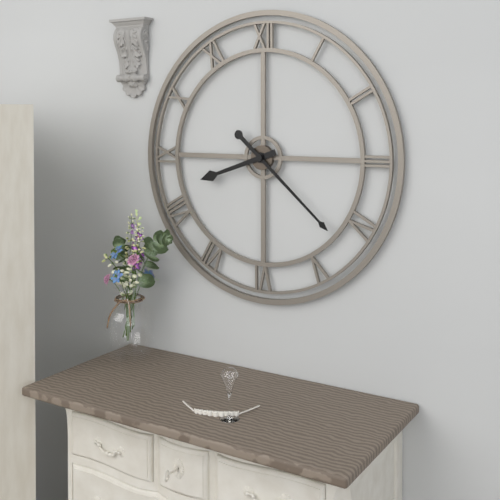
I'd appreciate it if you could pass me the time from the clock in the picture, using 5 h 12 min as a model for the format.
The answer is 8 h 22 min
